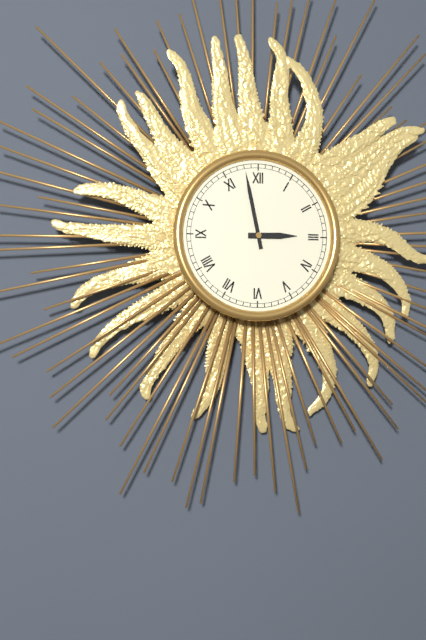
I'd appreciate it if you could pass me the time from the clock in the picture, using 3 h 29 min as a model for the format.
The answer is 2 h 58 min
